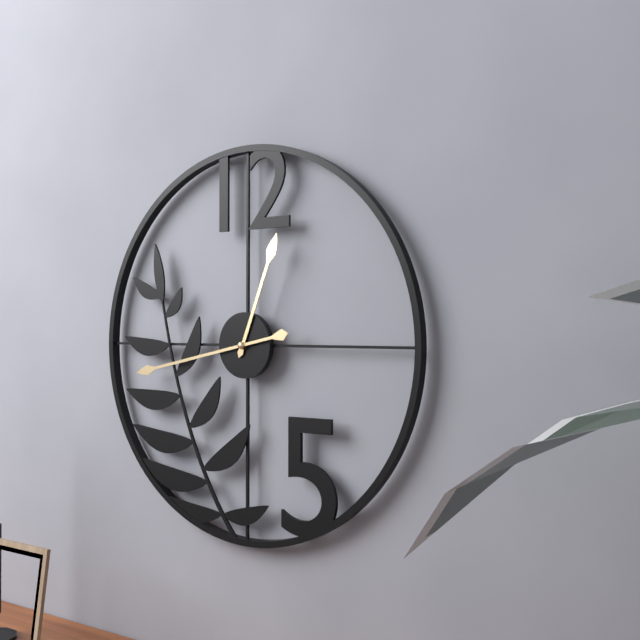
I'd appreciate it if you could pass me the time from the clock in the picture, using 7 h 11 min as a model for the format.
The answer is 12 h 43 min
